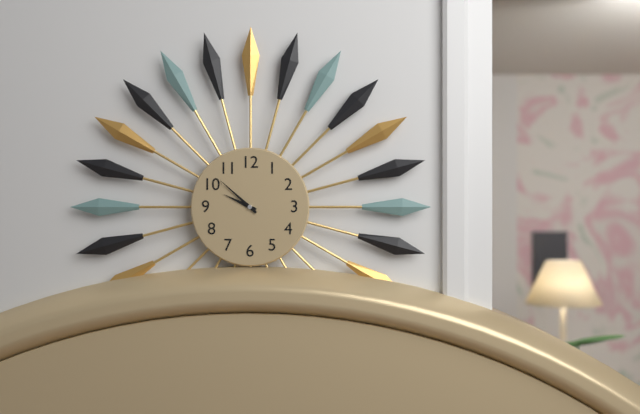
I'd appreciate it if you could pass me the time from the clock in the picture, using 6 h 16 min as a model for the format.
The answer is 9 h 52 min
